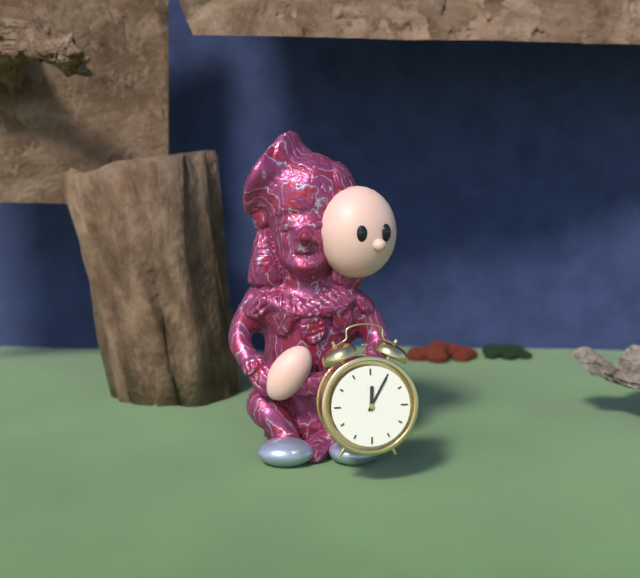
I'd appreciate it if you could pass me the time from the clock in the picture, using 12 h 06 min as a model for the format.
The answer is 12 h 05 min
